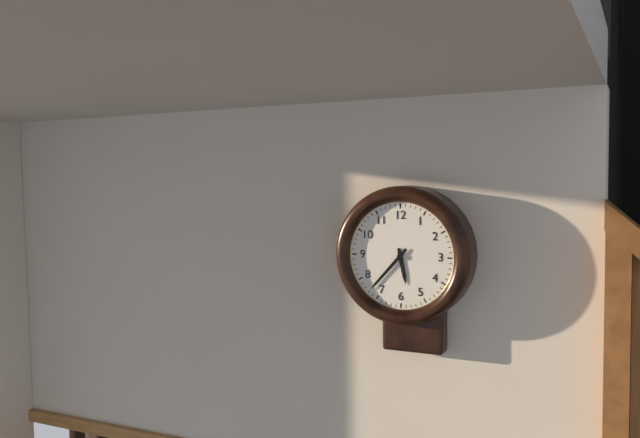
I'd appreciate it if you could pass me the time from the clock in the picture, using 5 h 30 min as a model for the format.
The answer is 5 h 37 min
